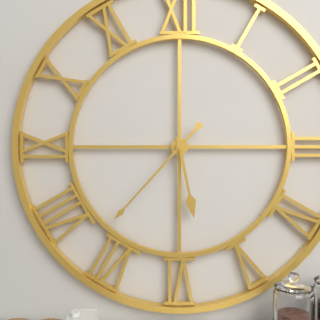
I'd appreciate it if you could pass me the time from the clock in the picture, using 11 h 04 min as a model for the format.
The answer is 5 h 37 min
